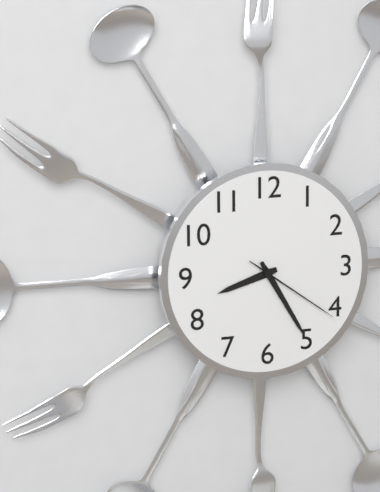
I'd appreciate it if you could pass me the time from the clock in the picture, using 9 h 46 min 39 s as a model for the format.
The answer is 8 h 25 min 21 s
